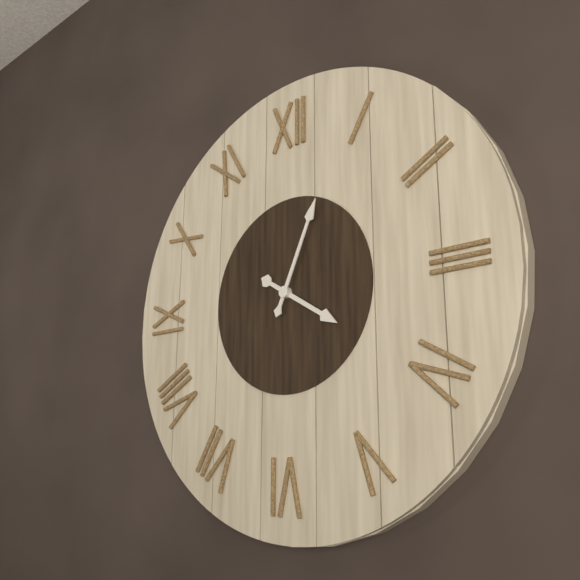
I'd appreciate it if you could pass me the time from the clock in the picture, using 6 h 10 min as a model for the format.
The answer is 4 h 04 min
